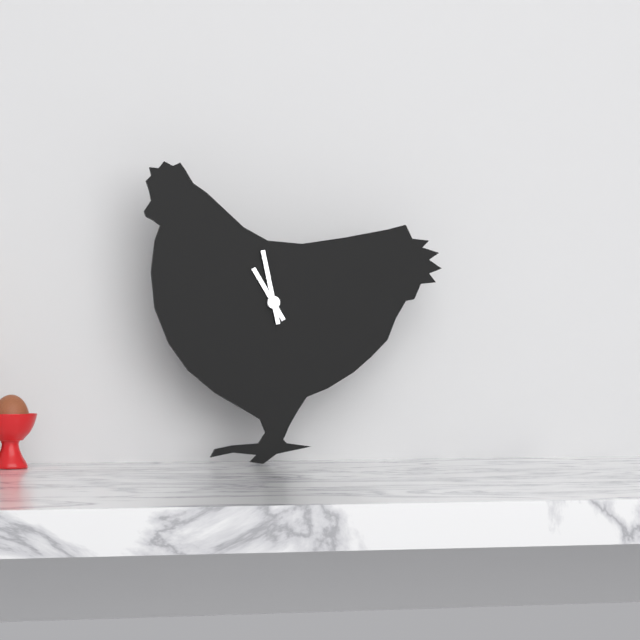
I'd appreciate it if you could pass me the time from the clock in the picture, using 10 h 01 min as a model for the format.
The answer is 10 h 58 min
